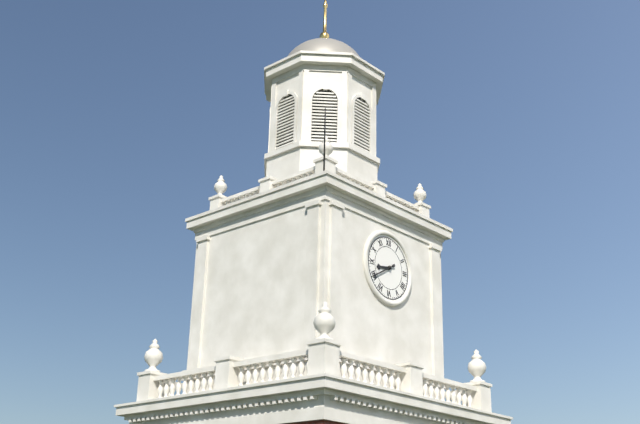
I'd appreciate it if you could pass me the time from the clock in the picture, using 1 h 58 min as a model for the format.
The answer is 8 h 40 min
